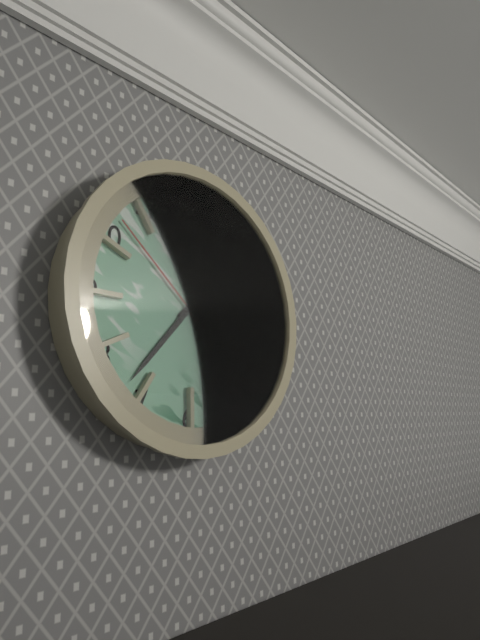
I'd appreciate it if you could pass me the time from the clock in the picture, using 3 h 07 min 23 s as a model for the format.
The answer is 1 h 37 min 52 s
